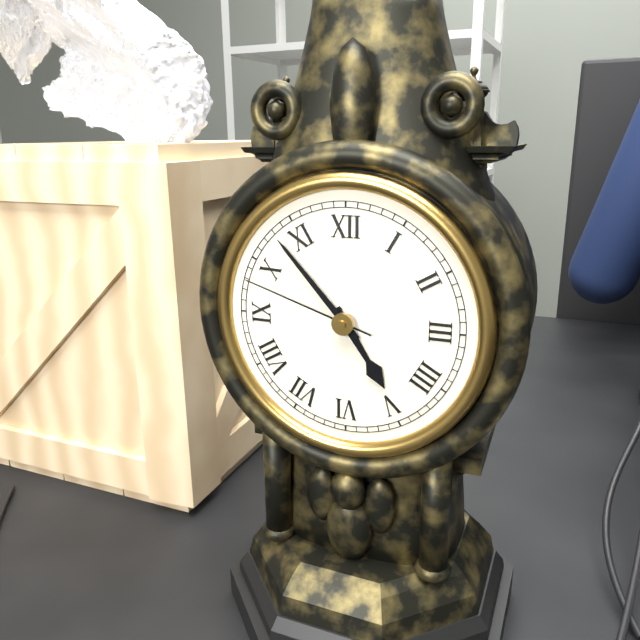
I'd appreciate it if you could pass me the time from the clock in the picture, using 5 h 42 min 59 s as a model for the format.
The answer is 4 h 53 min 48 s
